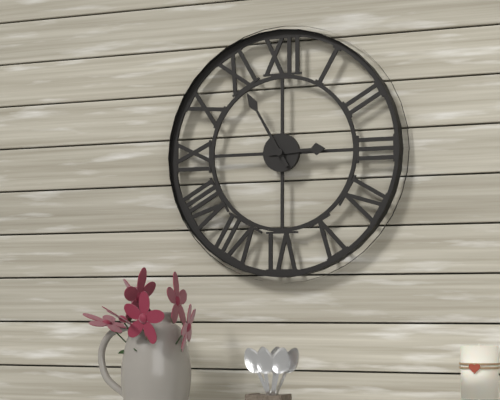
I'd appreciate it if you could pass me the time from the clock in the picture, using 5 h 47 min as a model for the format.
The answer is 2 h 55 min
